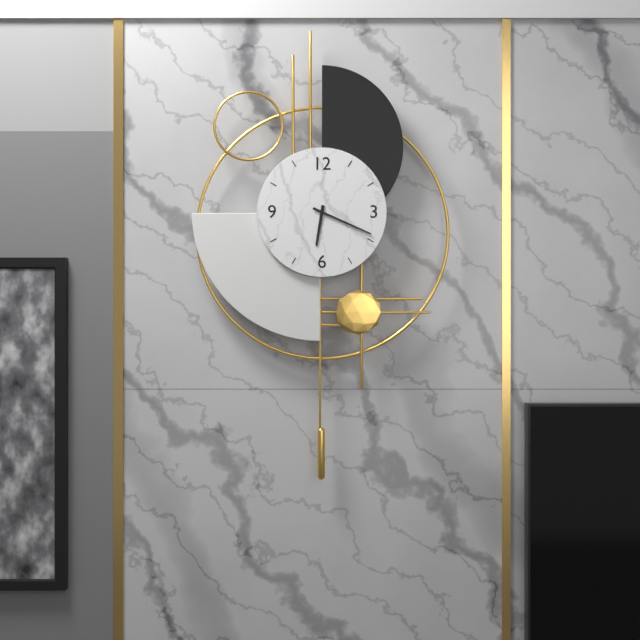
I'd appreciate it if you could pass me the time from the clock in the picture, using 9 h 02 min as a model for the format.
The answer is 6 h 19 min
